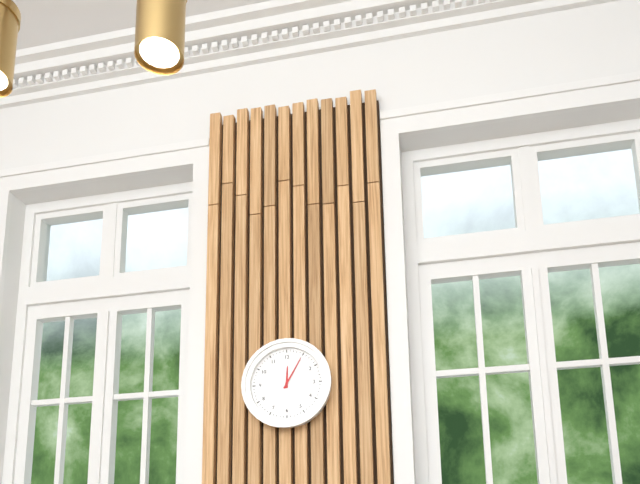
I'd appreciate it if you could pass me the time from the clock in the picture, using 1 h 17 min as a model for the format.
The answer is 12 h 05 min
